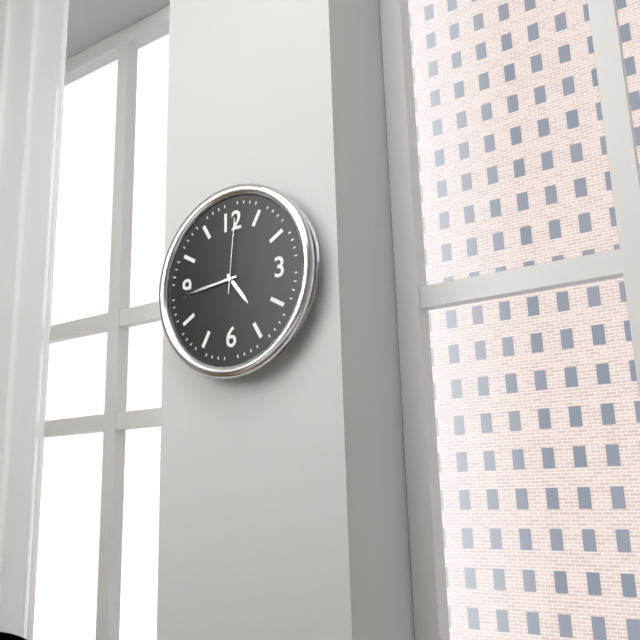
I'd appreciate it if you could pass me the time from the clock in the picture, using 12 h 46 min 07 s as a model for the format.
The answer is 4 h 44 min 01 s
